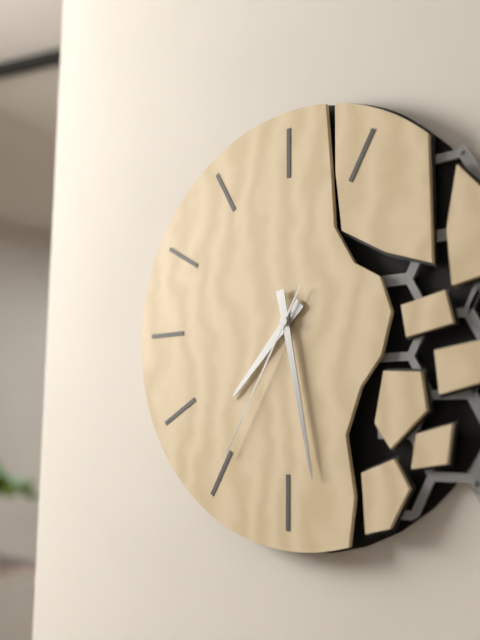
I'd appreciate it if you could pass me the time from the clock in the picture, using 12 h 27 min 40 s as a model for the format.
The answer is 7 h 28 min 35 s
